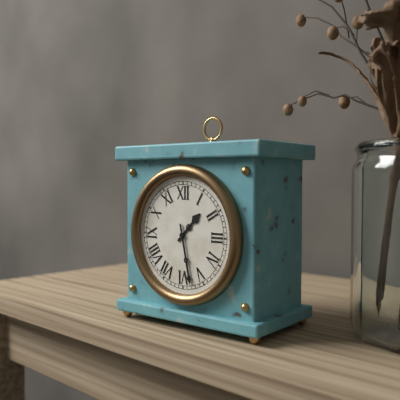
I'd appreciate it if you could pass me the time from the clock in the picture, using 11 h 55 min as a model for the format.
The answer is 1 h 28 min
